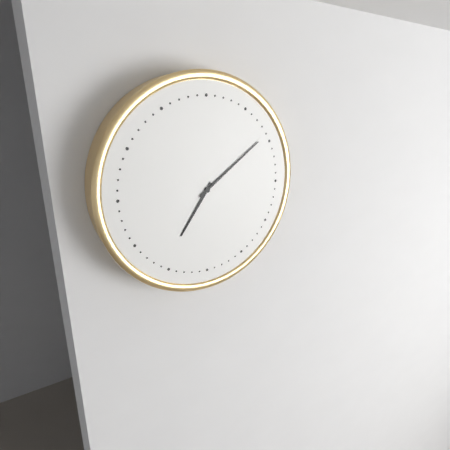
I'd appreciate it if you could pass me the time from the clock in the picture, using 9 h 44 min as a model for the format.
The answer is 7 h 09 min
